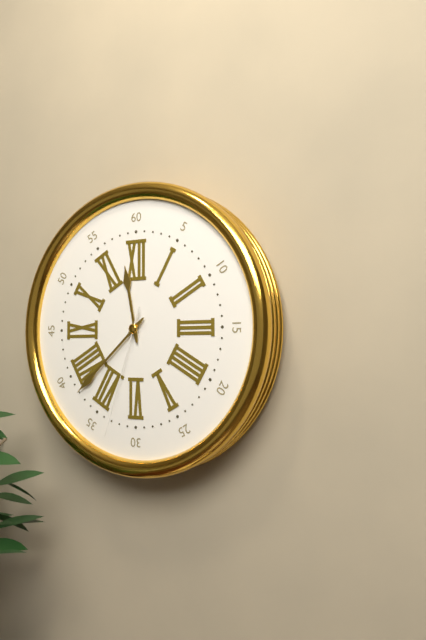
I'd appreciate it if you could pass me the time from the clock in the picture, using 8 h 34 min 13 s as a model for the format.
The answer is 11 h 38 min 33 s
